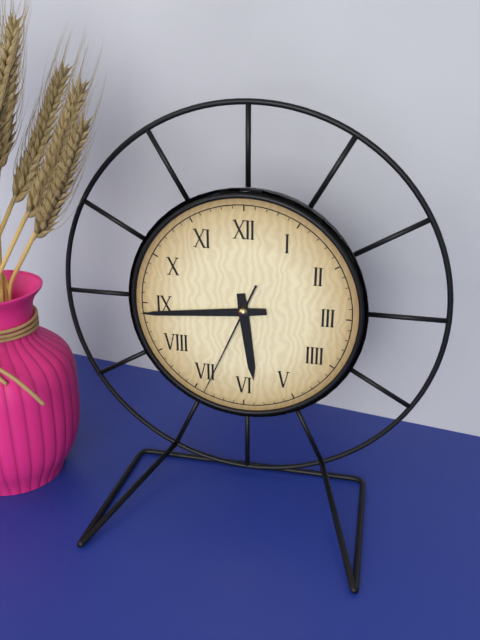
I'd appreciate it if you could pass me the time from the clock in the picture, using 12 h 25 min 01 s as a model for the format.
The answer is 5 h 44 min 34 s
